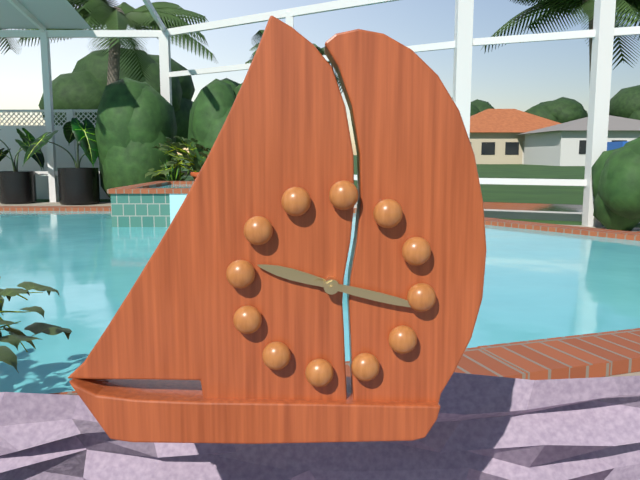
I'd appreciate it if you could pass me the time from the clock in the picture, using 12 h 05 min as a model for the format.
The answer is 9 h 16 min
